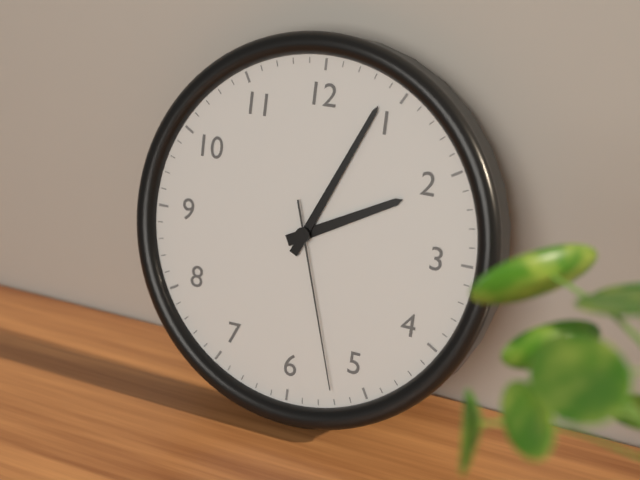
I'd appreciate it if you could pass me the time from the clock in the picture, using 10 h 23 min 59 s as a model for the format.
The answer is 2 h 04 min 27 s
